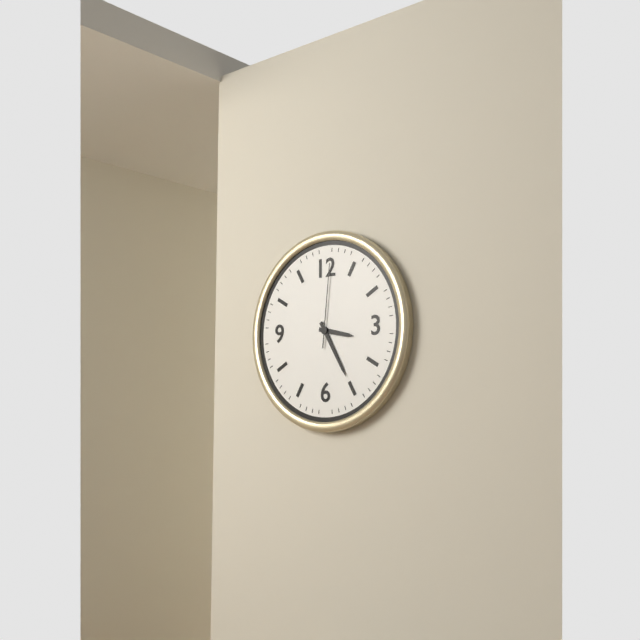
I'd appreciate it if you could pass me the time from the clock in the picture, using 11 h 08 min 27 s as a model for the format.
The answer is 3 h 25 min 01 s
